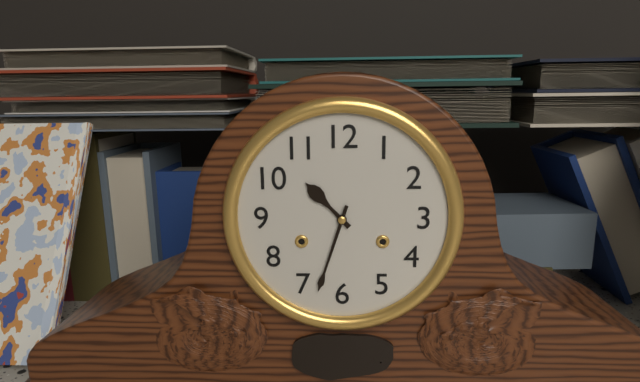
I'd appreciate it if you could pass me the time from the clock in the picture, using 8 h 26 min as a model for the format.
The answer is 10 h 33 min
